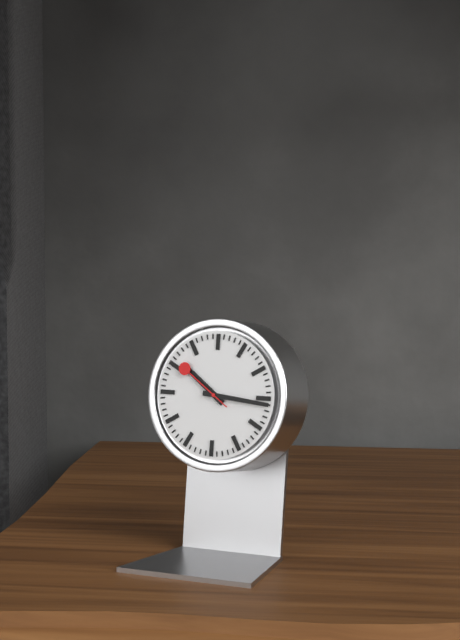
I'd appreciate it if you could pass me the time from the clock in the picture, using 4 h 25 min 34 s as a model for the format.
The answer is 10 h 16 min 51 s
